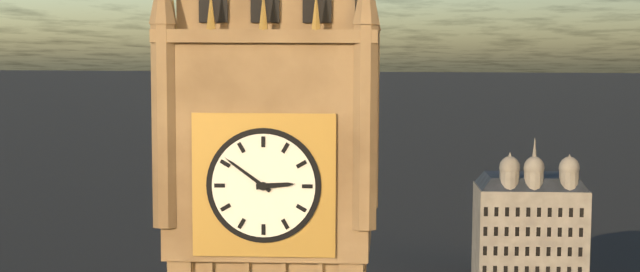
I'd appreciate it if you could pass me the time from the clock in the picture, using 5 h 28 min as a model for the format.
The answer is 2 h 51 min
